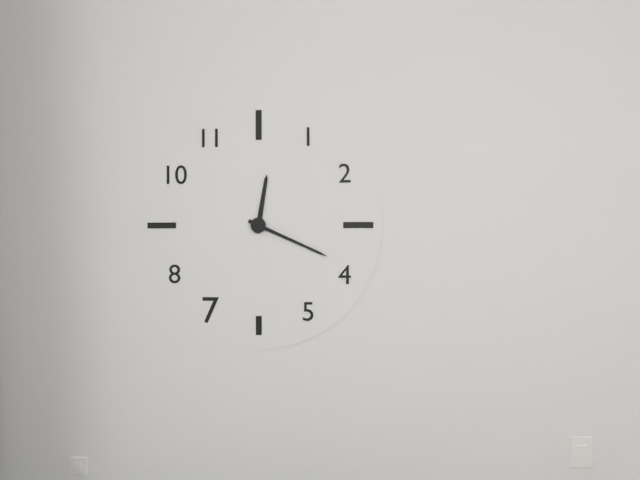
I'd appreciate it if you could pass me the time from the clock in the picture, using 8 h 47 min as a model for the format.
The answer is 12 h 19 min
